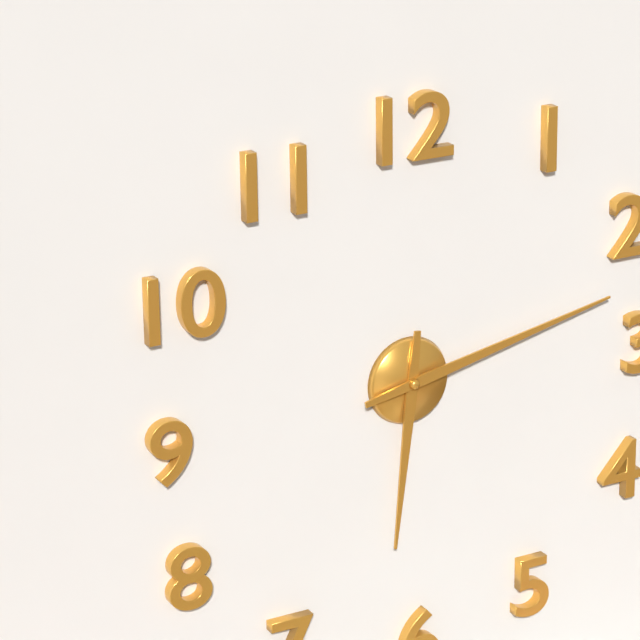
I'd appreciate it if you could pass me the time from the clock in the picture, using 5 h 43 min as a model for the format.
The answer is 6 h 13 min
